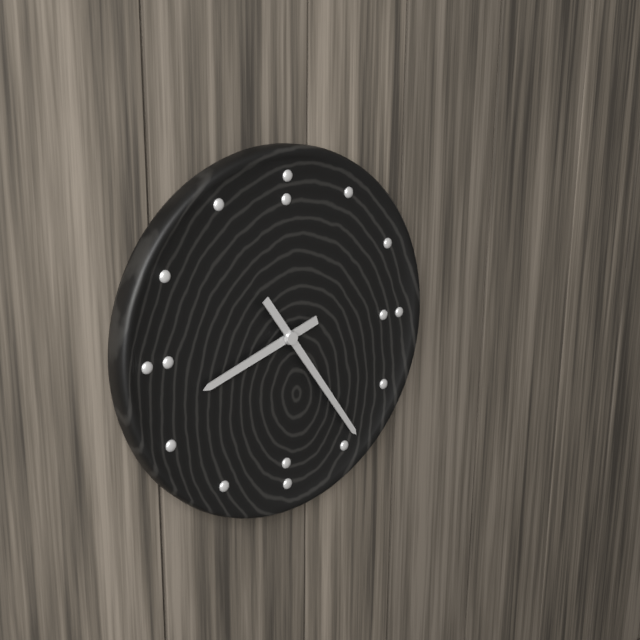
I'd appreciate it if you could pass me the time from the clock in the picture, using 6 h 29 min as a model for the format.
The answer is 8 h 24 min
